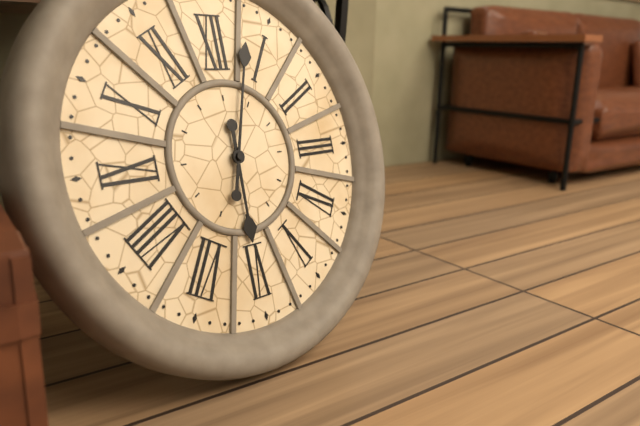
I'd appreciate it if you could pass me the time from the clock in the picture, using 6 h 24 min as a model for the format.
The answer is 6 h 03 min
